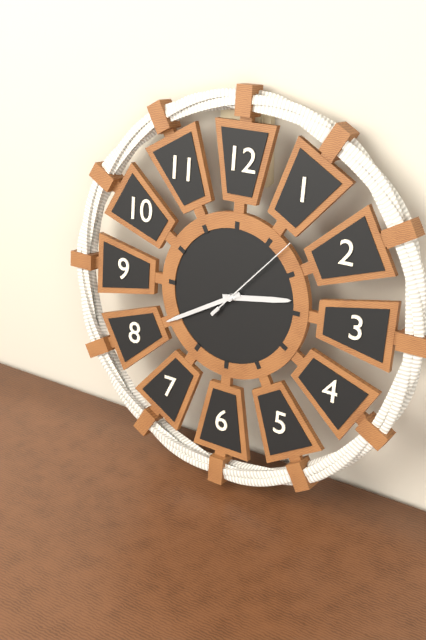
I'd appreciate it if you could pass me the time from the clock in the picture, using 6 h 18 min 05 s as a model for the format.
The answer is 2 h 40 min 07 s
